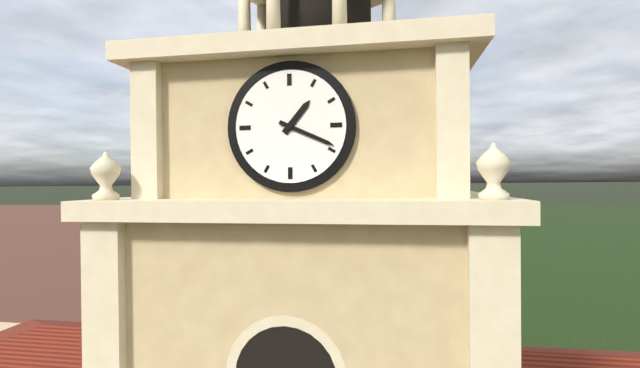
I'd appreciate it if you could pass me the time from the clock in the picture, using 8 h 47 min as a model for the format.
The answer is 1 h 19 min
